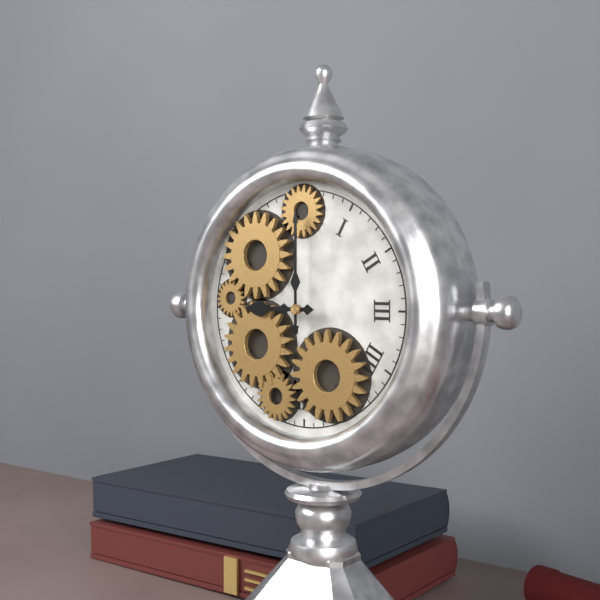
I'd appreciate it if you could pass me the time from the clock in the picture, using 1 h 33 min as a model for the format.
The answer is 9 h 00 min
